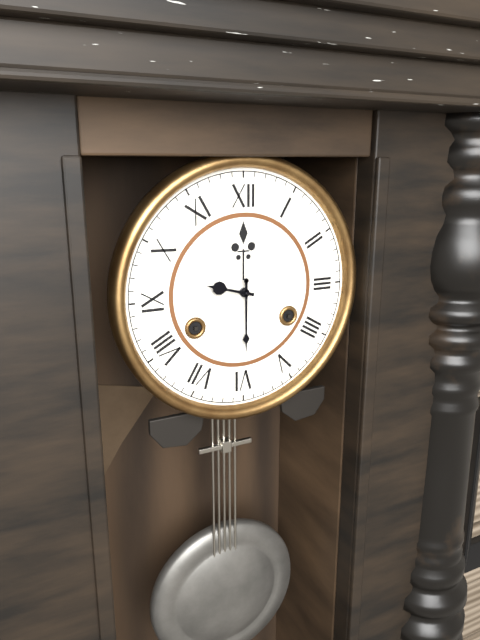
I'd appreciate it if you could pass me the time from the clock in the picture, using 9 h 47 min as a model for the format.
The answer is 9 h 30 min
